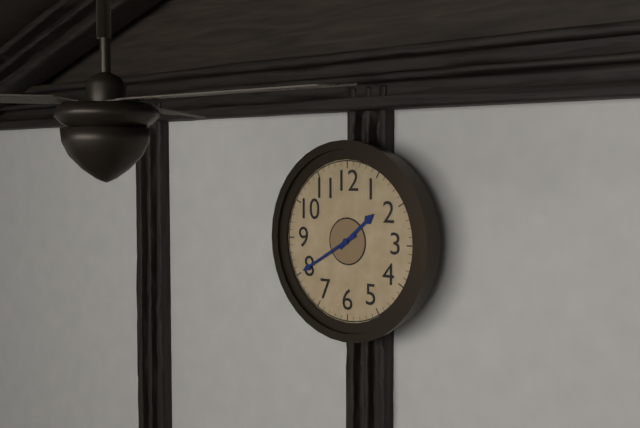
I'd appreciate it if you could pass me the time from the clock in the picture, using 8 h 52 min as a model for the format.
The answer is 1 h 40 min
